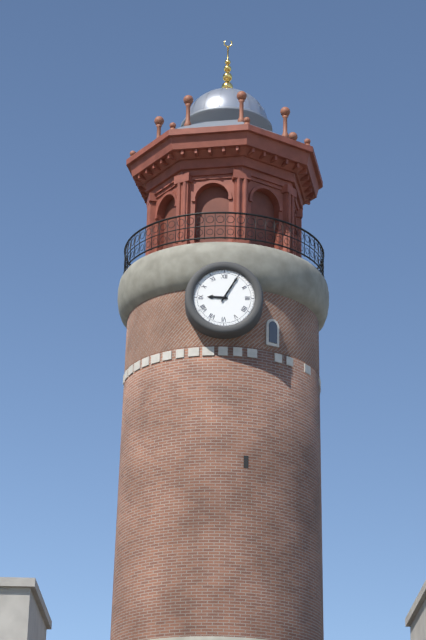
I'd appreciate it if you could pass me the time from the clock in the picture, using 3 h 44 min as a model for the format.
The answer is 9 h 05 min
